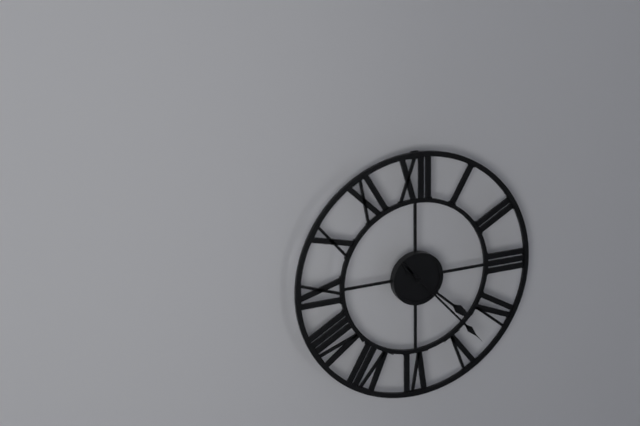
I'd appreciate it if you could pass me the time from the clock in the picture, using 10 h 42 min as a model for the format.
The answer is 4 h 23 min
